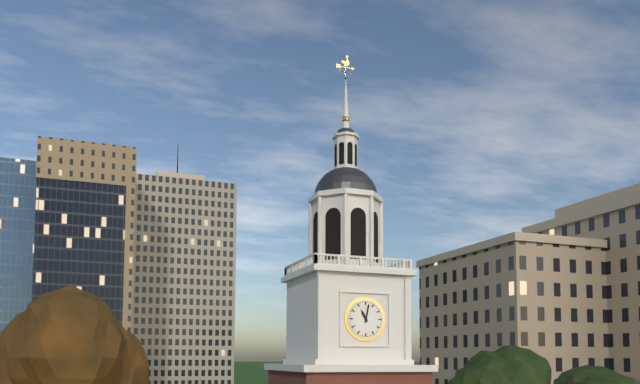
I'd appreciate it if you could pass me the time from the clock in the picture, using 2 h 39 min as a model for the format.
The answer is 11 h 02 min
